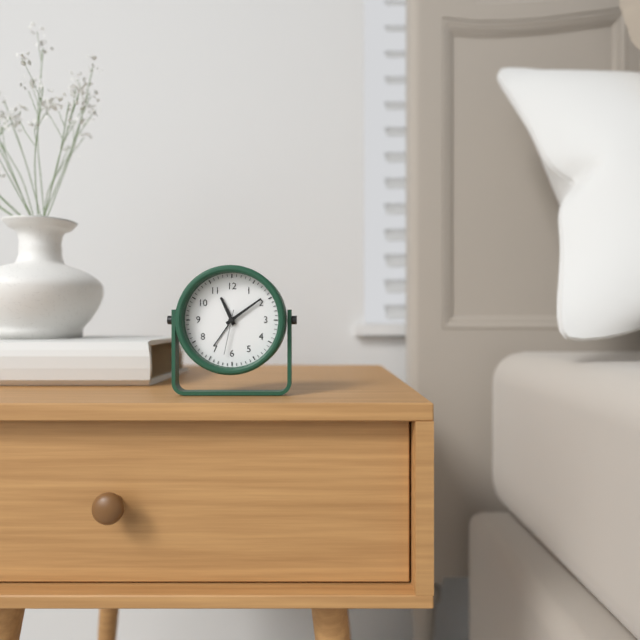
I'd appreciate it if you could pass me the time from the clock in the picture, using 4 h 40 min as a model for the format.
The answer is 11 h 09 min
